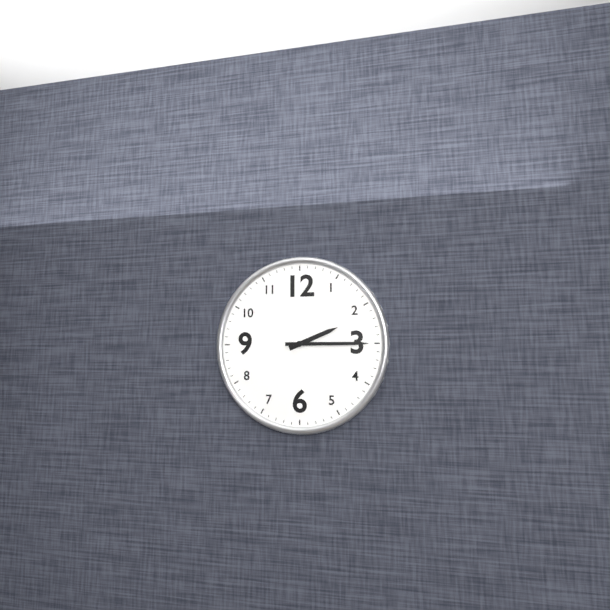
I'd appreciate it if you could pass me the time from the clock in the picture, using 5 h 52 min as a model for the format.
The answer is 2 h 15 min
